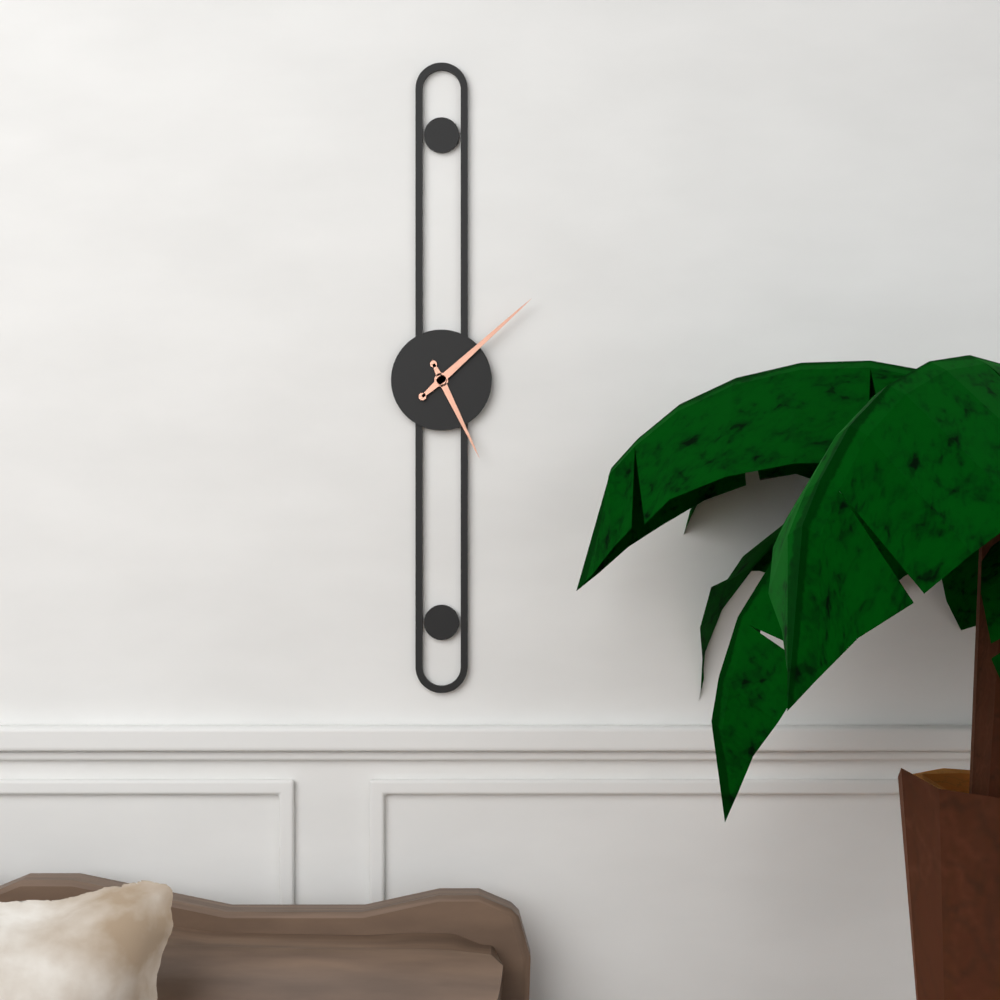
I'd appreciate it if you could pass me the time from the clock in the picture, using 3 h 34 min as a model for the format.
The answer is 5 h 08 min
